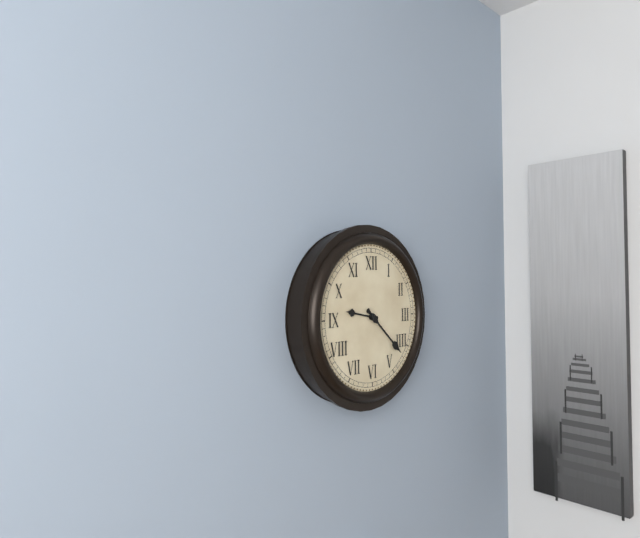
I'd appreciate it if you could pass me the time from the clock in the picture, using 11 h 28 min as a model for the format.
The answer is 9 h 22 min
